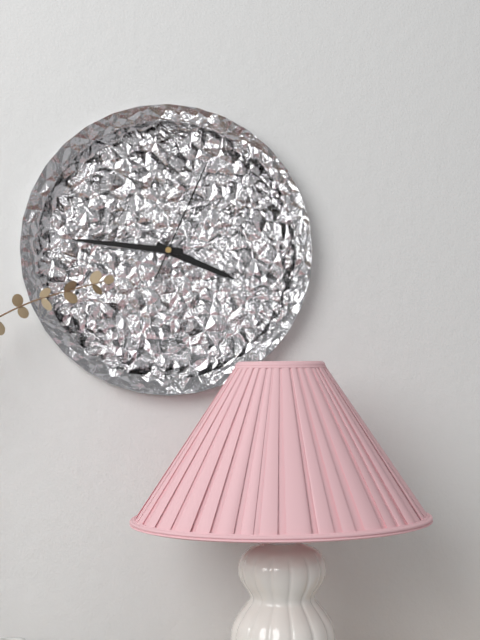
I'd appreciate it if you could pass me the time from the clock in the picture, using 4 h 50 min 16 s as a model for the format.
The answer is 3 h 46 min 04 s
